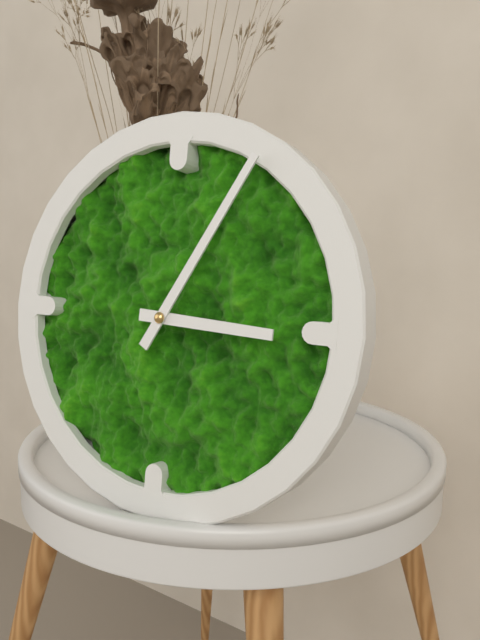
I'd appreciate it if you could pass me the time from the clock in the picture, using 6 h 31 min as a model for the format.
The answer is 3 h 05 min
